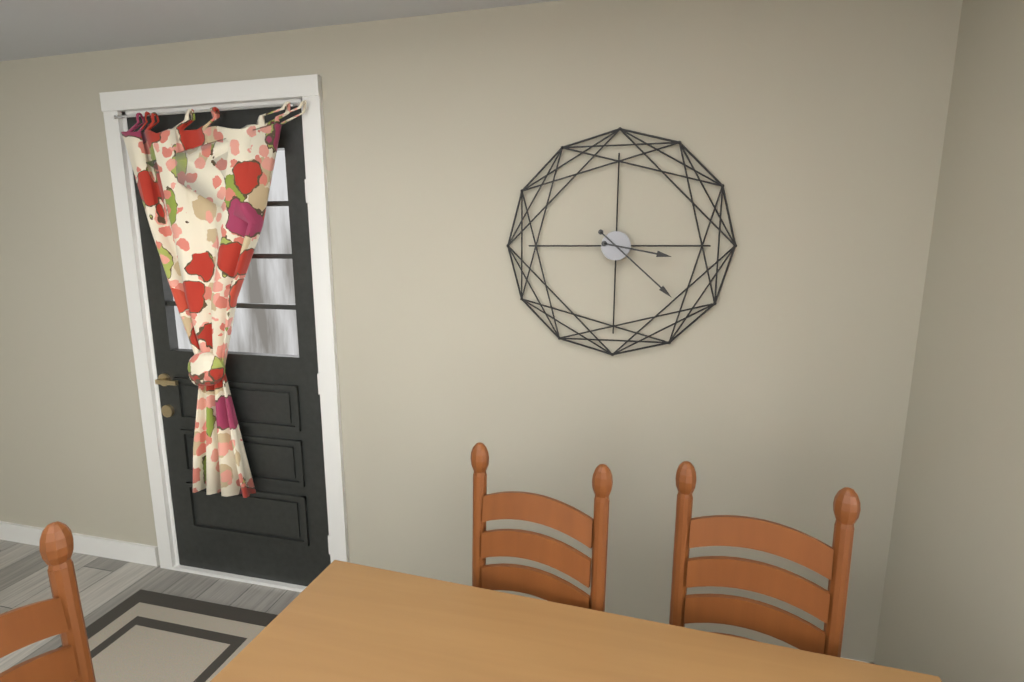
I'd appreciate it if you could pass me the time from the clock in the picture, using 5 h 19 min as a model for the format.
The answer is 3 h 22 min
